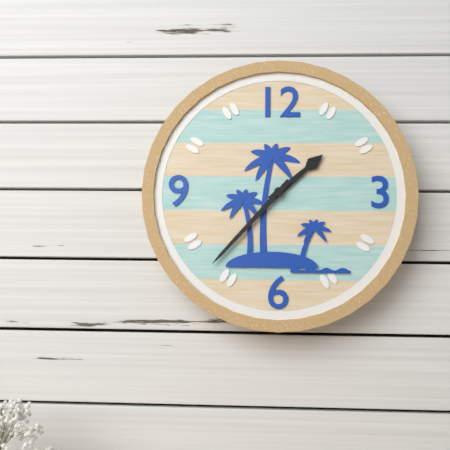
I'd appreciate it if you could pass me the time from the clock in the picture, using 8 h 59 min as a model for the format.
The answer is 1 h 37 min
